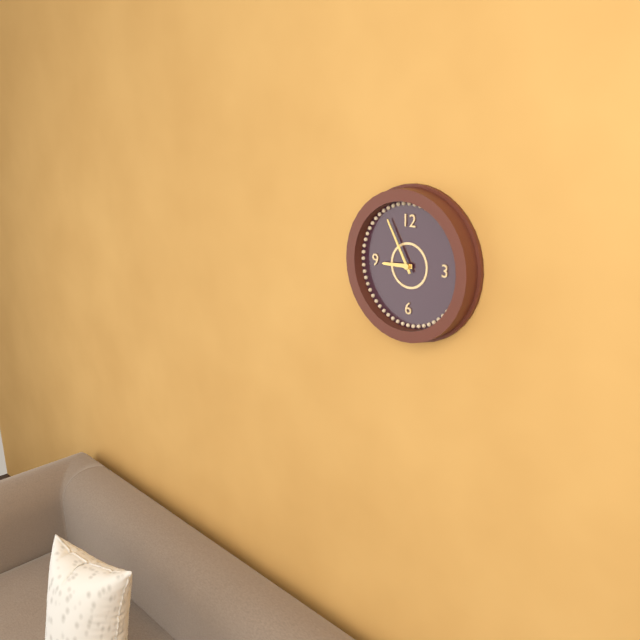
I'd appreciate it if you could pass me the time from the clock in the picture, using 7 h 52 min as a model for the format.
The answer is 8 h 55 min
